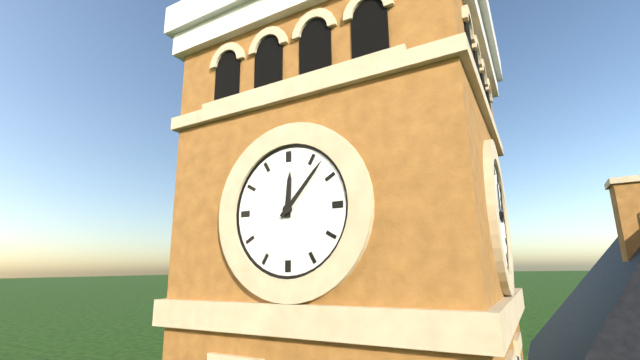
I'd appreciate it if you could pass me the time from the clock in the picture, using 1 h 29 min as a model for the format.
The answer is 12 h 07 min
